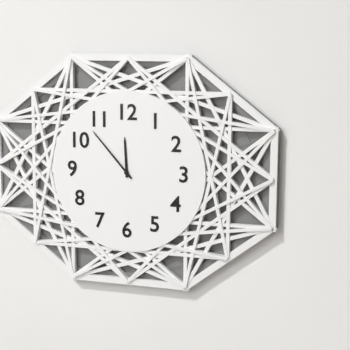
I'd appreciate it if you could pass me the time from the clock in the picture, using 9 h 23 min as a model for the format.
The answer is 11 h 53 min
